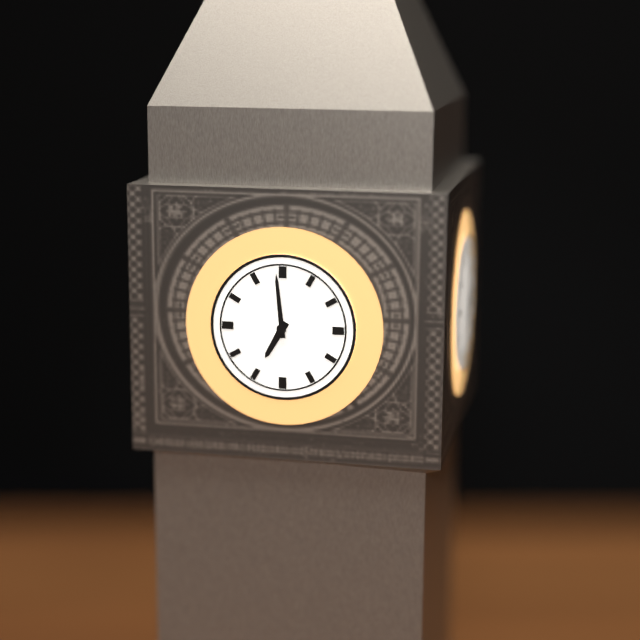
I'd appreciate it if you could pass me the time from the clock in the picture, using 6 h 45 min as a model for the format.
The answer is 6 h 59 min
